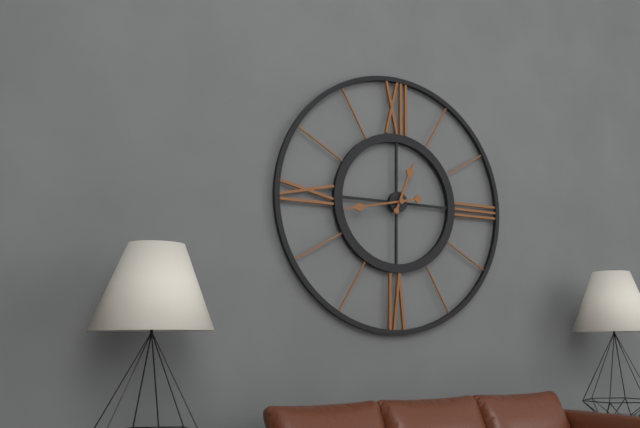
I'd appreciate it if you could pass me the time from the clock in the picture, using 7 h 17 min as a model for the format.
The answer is 12 h 43 min
